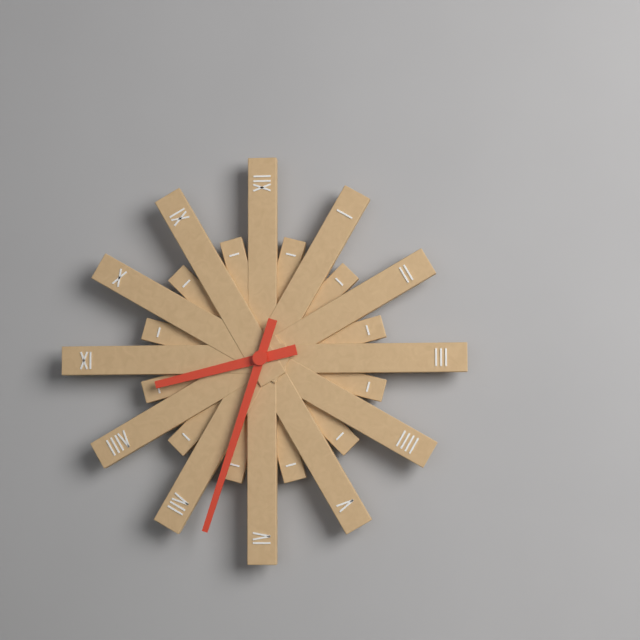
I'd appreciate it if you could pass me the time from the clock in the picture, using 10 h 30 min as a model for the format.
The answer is 8 h 33 min
